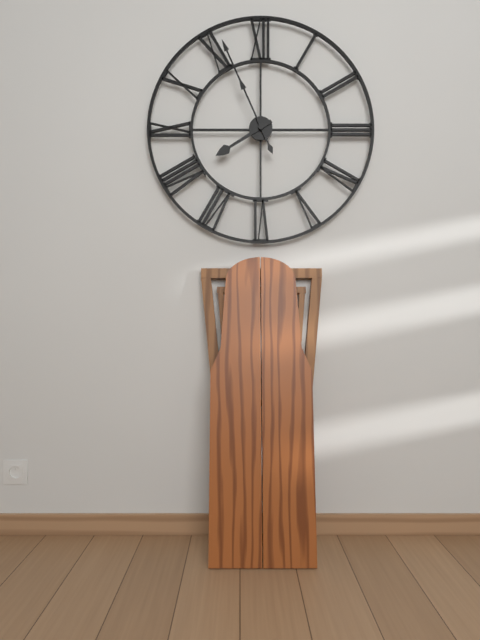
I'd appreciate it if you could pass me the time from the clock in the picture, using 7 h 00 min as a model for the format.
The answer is 7 h 56 min
